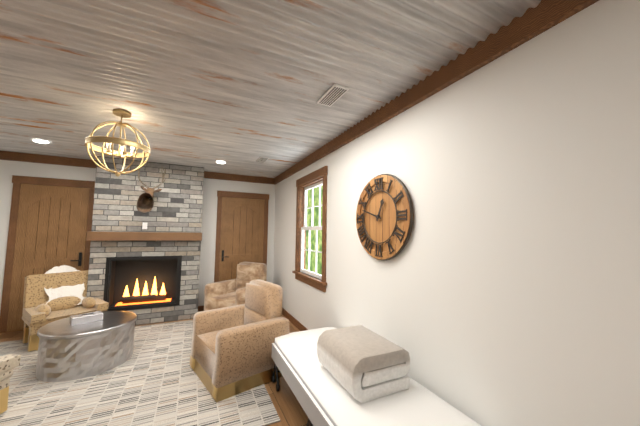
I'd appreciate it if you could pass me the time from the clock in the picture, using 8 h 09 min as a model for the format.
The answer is 12 h 48 min
